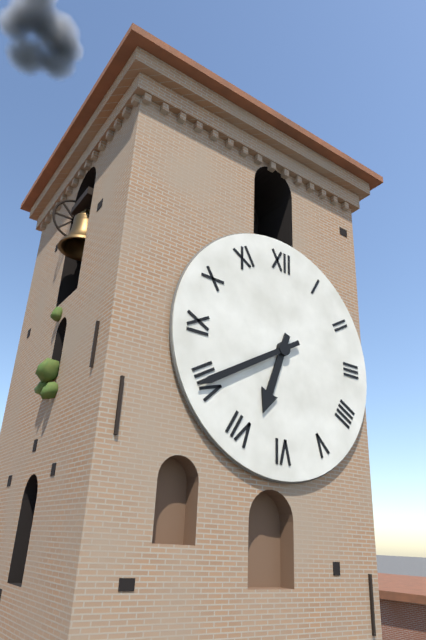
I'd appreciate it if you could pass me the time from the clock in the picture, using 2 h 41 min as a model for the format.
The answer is 6 h 40 min
